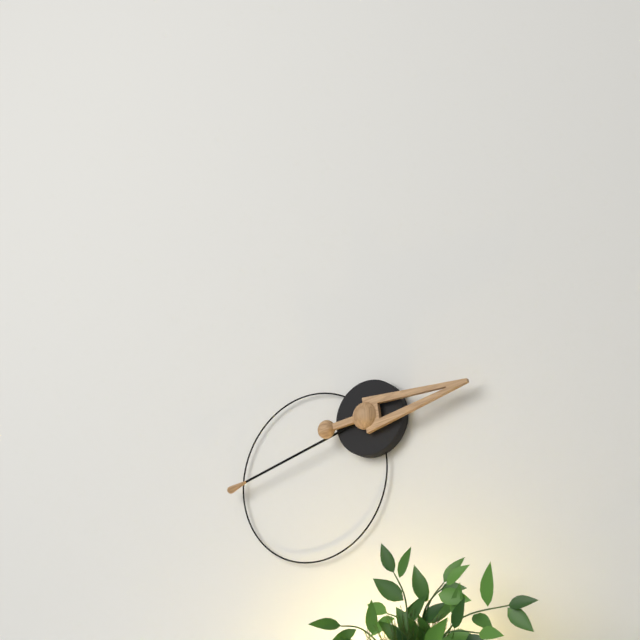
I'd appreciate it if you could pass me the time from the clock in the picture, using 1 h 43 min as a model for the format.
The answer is 2 h 42 min
